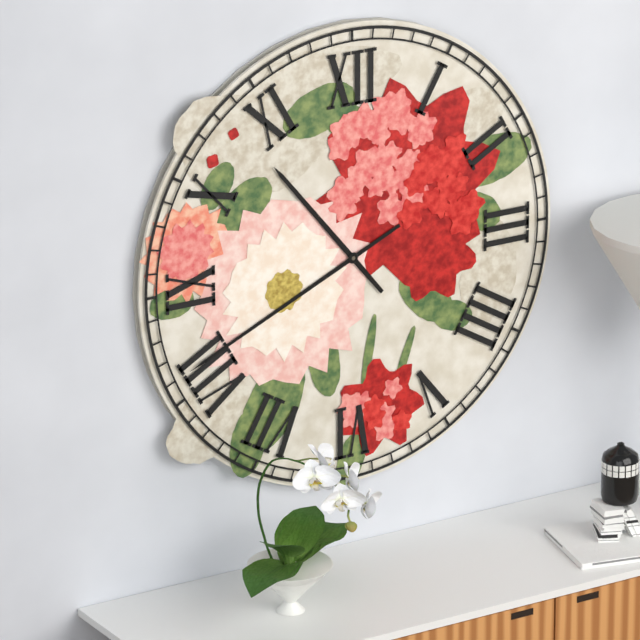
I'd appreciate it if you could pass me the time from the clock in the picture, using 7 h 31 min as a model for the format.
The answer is 10 h 41 min
